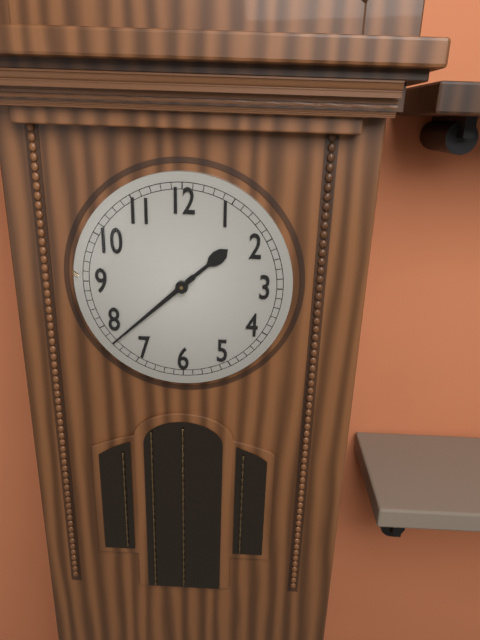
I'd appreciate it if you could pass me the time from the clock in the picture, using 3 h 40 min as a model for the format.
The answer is 1 h 38 min
